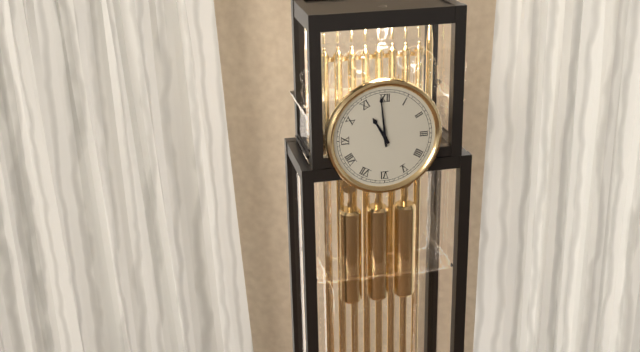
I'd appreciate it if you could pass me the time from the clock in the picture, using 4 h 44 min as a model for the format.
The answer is 10 h 59 min
